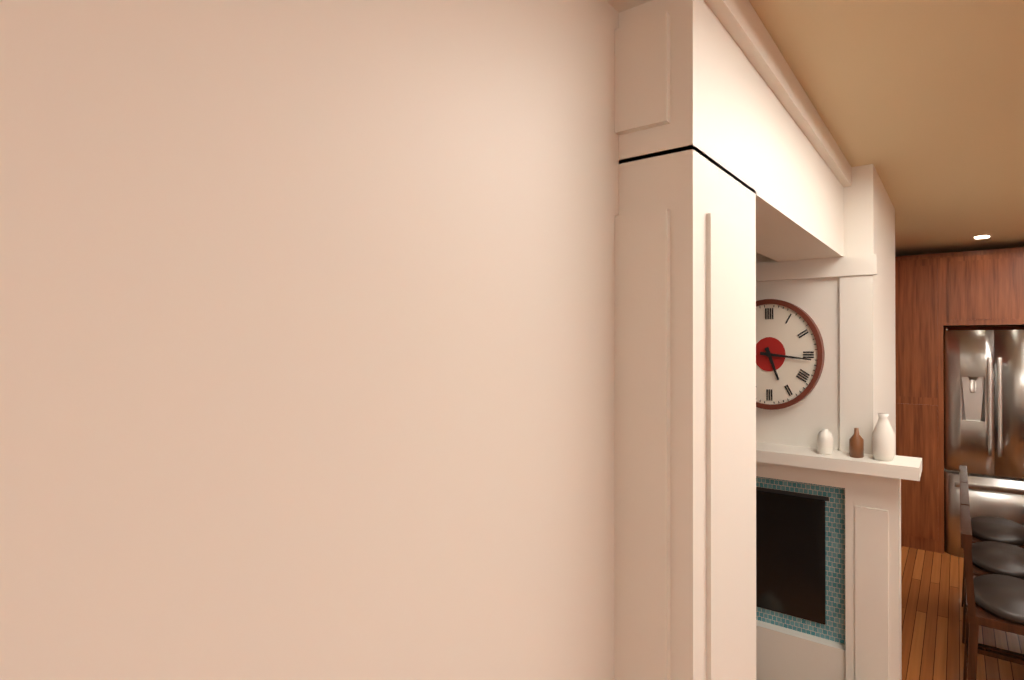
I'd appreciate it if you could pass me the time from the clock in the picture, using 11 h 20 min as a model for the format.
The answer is 5 h 16 min
